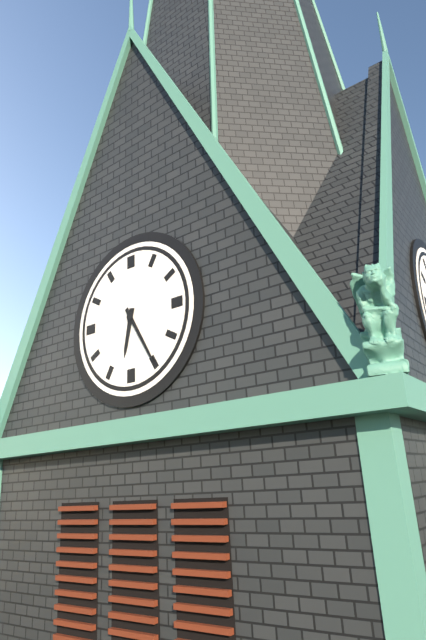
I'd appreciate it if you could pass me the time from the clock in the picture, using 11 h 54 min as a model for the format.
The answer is 6 h 25 min
